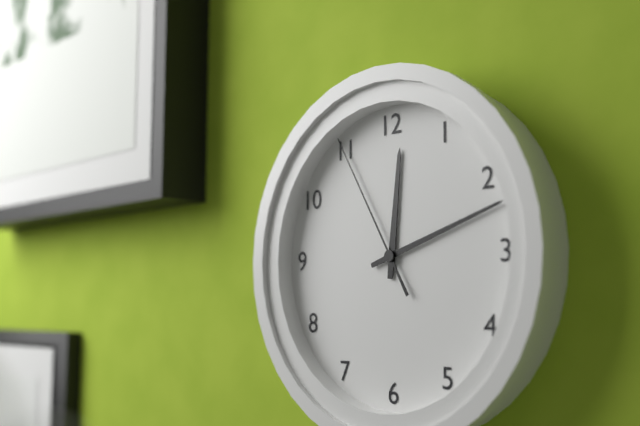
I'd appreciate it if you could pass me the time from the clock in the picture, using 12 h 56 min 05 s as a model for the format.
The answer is 12 h 12 min 55 s
